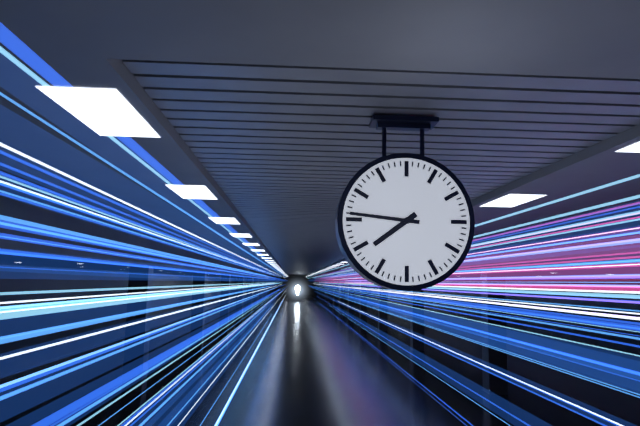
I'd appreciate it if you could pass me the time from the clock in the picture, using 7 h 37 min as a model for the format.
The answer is 7 h 46 min
